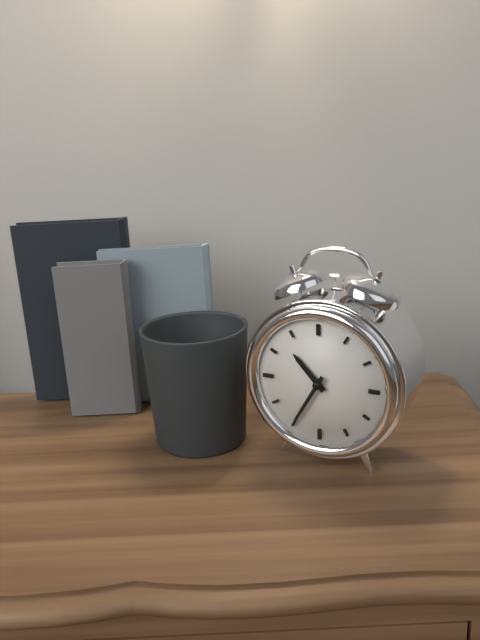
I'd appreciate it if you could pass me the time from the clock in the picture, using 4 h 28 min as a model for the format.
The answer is 10 h 35 min
